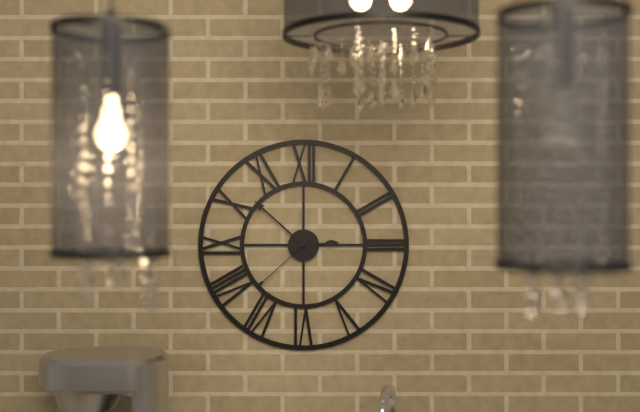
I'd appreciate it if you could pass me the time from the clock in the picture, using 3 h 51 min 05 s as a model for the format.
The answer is 2 h 52 min 38 s
